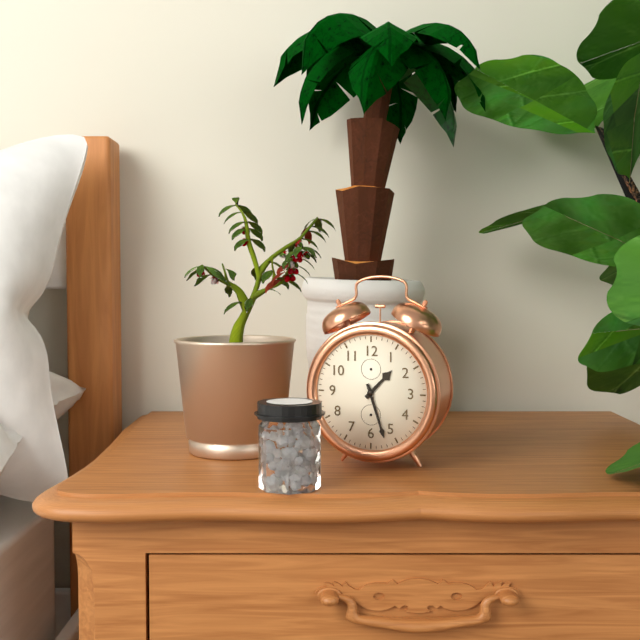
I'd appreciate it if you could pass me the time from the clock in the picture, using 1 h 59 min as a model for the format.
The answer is 1 h 27 min
